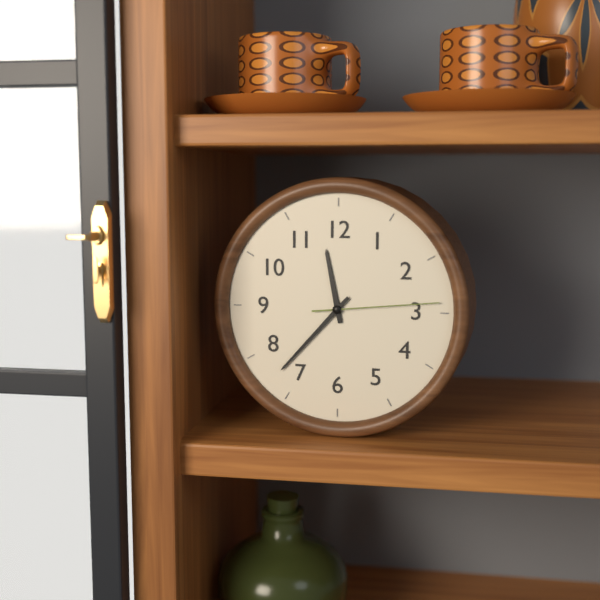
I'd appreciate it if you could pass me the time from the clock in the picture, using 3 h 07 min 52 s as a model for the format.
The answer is 11 h 37 min 14 s
